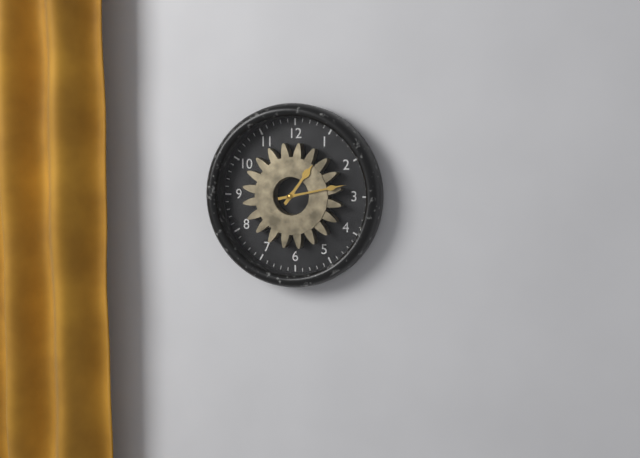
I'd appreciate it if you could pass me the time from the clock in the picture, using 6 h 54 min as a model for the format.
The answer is 1 h 13 min
